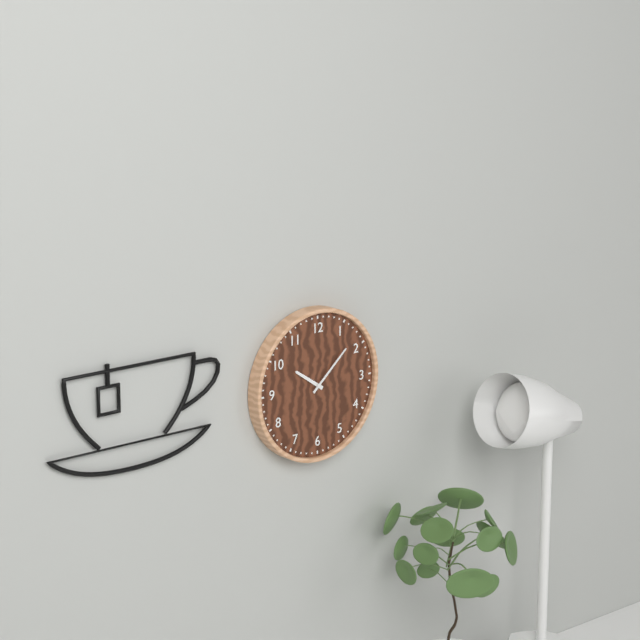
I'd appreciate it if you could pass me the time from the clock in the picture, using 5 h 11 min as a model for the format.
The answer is 10 h 08 min
